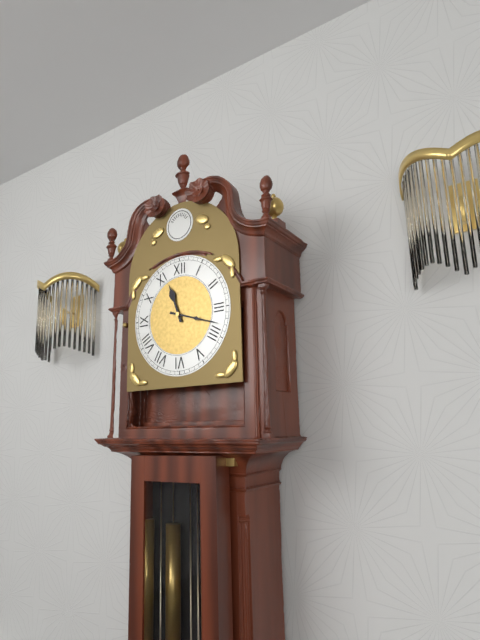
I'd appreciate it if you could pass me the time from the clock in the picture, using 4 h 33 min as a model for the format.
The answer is 11 h 18 min
